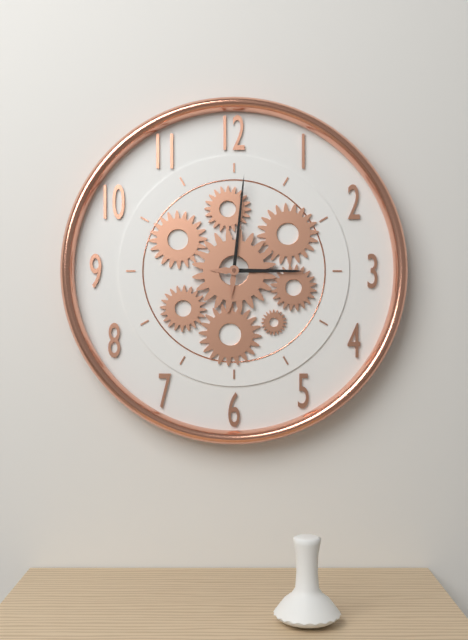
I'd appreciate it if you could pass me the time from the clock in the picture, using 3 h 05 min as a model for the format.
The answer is 3 h 01 min
